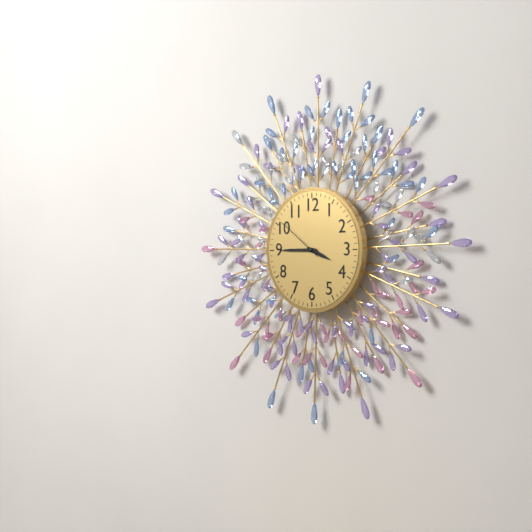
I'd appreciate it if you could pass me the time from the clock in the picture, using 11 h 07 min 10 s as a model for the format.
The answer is 3 h 45 min 51 s
